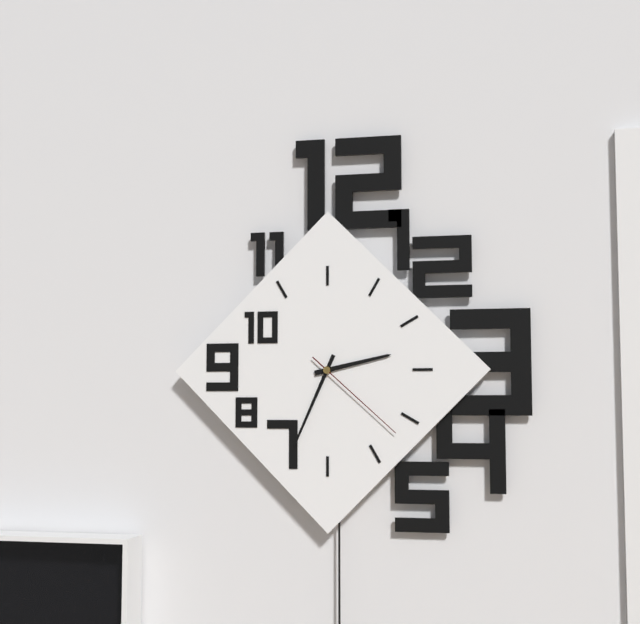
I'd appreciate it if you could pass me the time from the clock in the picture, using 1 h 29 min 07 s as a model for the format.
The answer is 2 h 34 min 22 s
